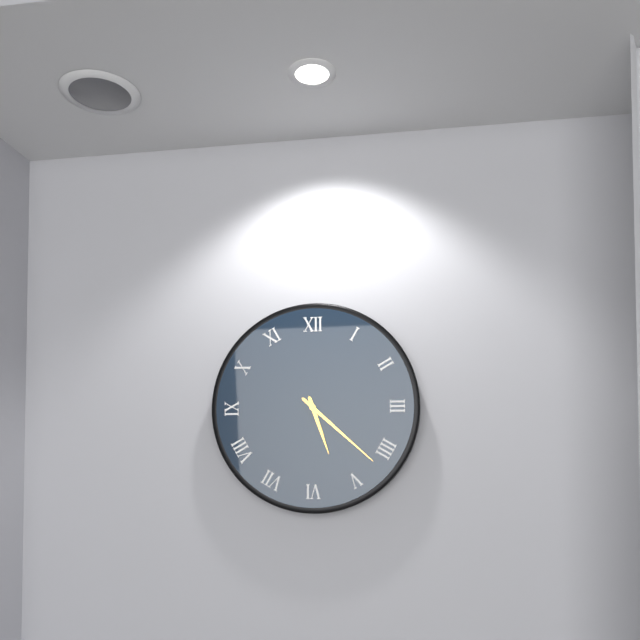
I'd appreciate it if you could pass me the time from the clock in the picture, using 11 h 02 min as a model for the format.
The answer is 5 h 22 min
